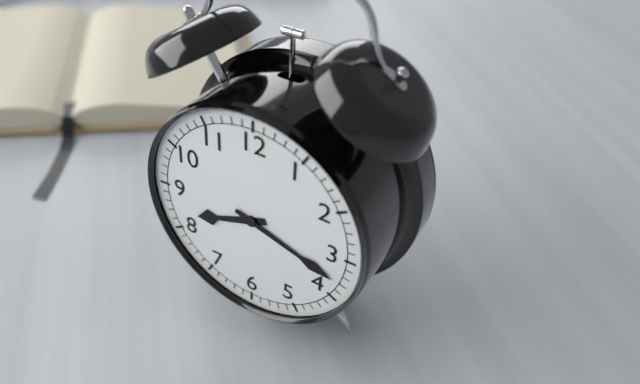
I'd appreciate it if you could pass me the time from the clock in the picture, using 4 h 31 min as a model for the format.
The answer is 8 h 18 min
